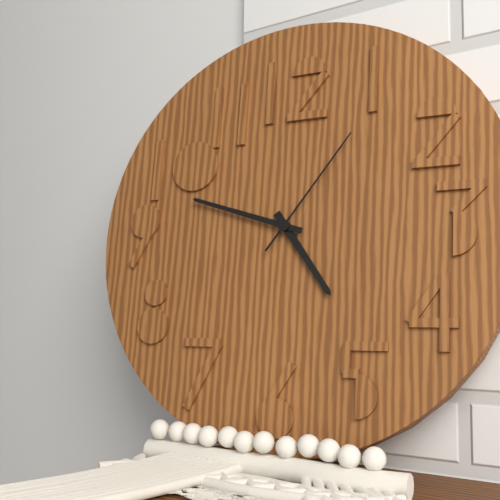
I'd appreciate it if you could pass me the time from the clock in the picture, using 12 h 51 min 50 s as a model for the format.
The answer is 4 h 48 min 06 s
